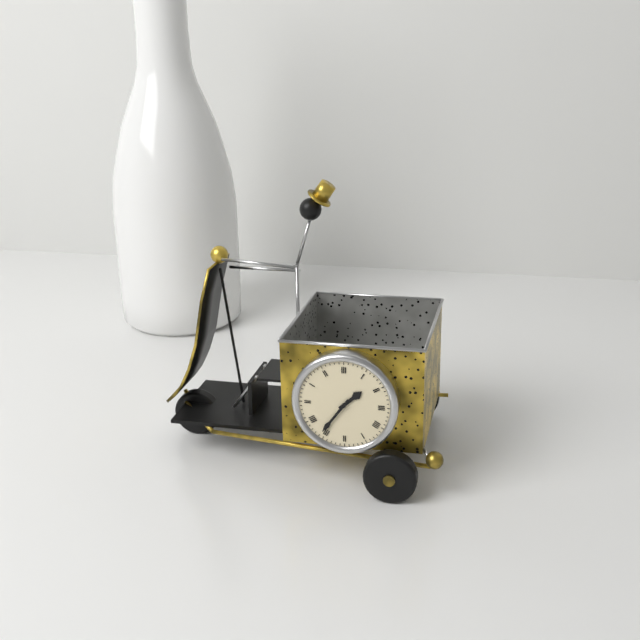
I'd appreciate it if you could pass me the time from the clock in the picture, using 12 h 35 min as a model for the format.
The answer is 1 h 36 min
